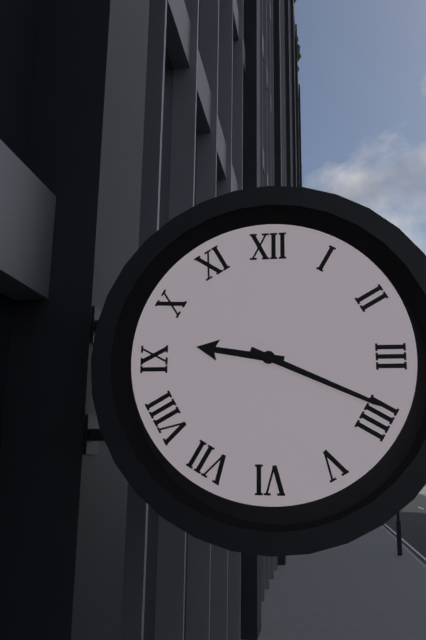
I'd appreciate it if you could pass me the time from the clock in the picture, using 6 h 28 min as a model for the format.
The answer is 9 h 19 min
